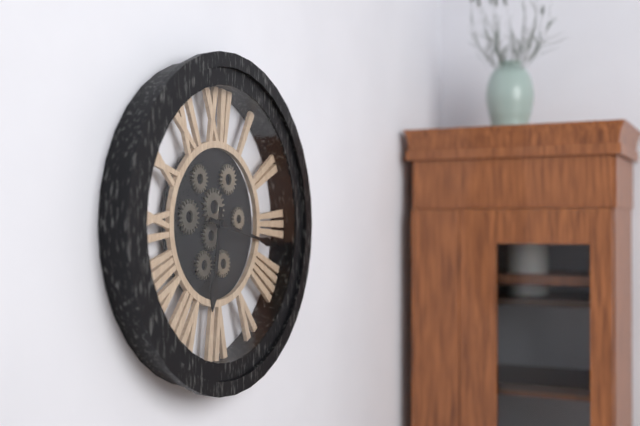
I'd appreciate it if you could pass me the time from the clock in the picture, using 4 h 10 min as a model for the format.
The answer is 6 h 17 min
